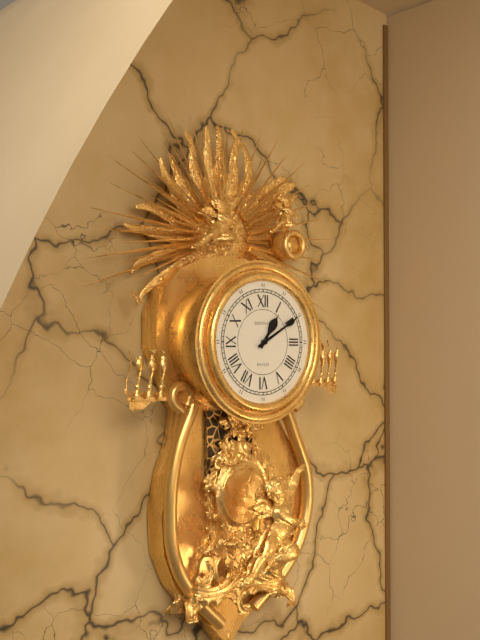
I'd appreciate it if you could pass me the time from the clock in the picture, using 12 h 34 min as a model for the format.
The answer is 1 h 10 min
